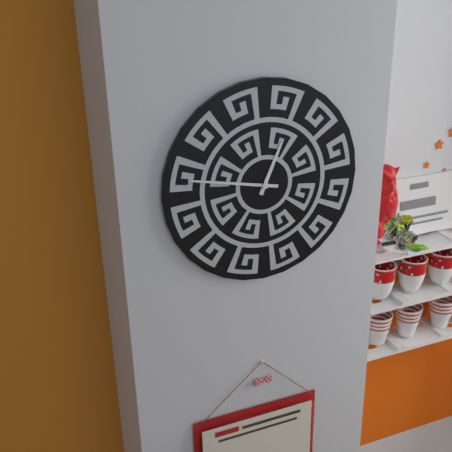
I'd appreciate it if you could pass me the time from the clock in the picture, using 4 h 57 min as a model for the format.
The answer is 12 h 47 min
